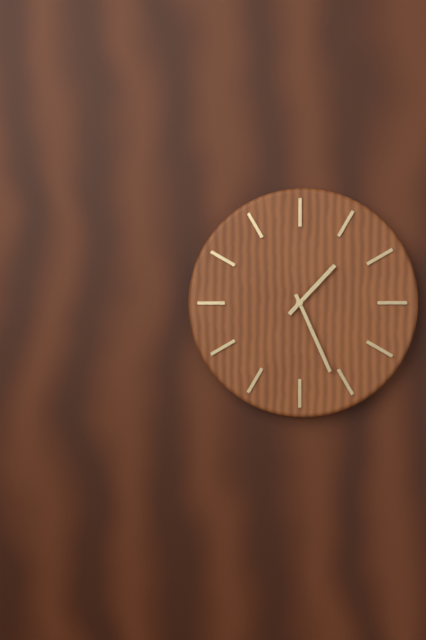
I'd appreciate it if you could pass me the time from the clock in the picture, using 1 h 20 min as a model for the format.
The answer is 1 h 26 min
